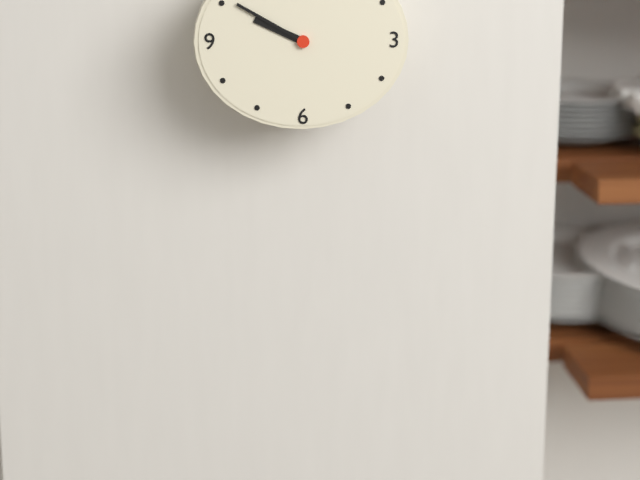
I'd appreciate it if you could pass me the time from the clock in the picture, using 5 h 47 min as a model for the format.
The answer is 9 h 50 min
